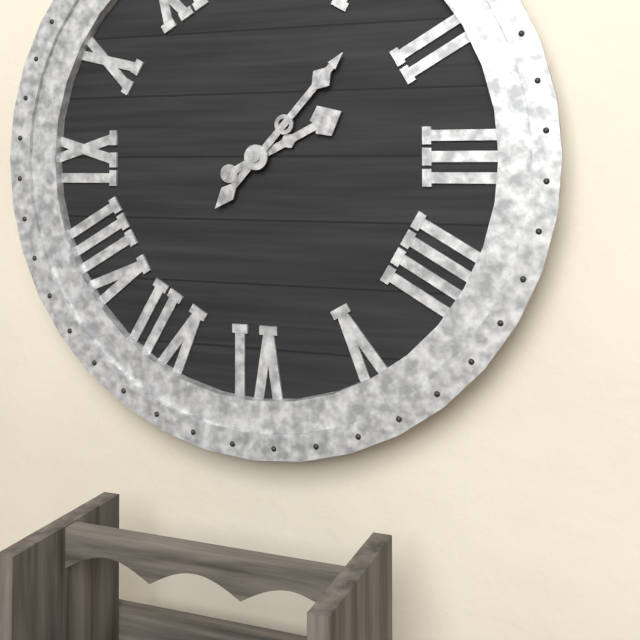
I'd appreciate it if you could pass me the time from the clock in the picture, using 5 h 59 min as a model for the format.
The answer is 2 h 07 min
